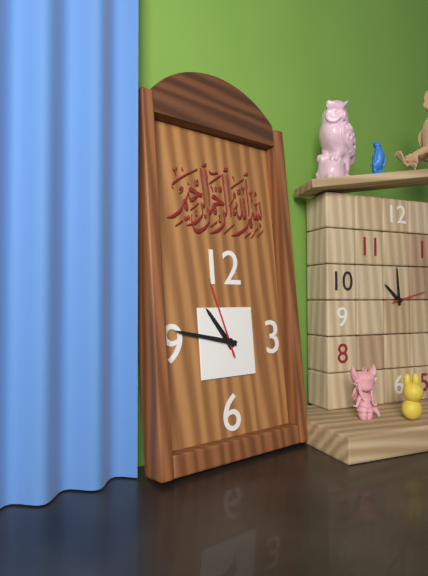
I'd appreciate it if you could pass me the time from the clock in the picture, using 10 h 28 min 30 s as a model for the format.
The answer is 10 h 47 min 57 s
